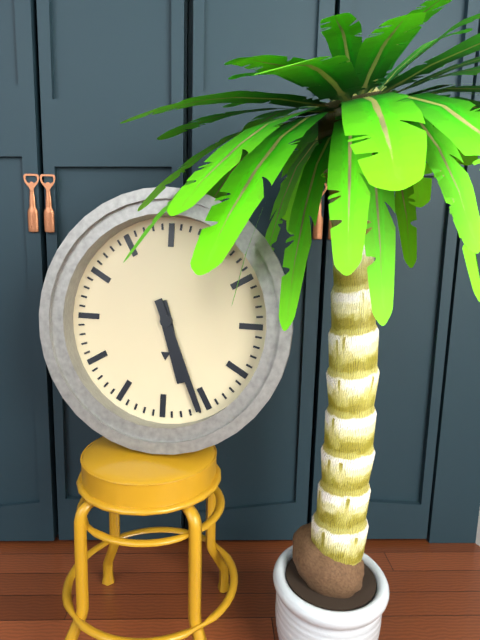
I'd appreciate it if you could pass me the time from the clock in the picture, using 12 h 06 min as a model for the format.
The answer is 5 h 26 min
